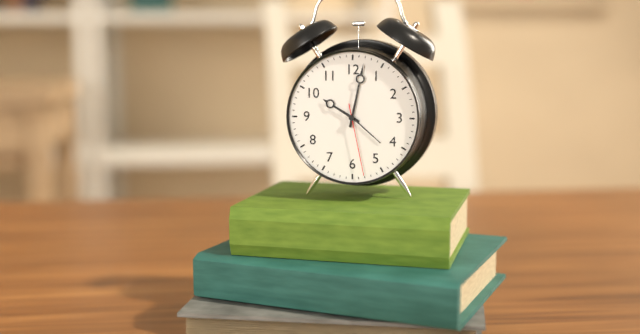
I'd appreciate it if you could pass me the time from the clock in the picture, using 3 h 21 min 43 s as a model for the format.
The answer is 10 h 02 min 28 s
